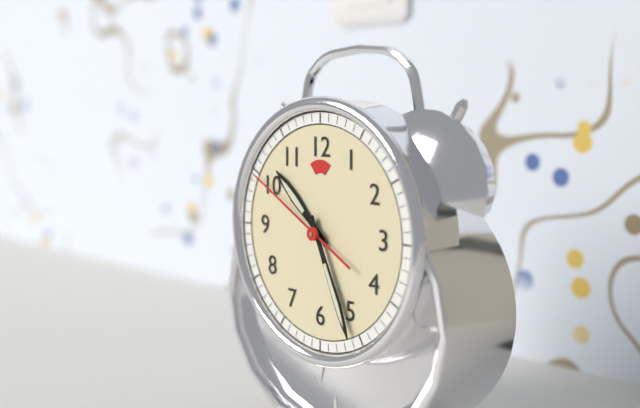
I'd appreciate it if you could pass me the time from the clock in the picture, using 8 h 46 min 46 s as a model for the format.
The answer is 10 h 26 min 50 s
